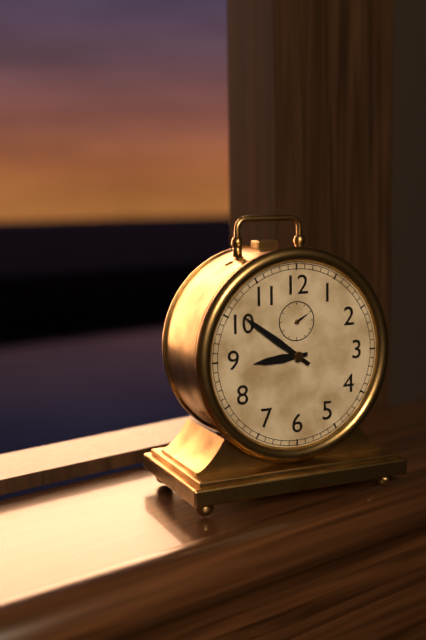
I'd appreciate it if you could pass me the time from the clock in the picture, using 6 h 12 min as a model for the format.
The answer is 8 h 51 min
